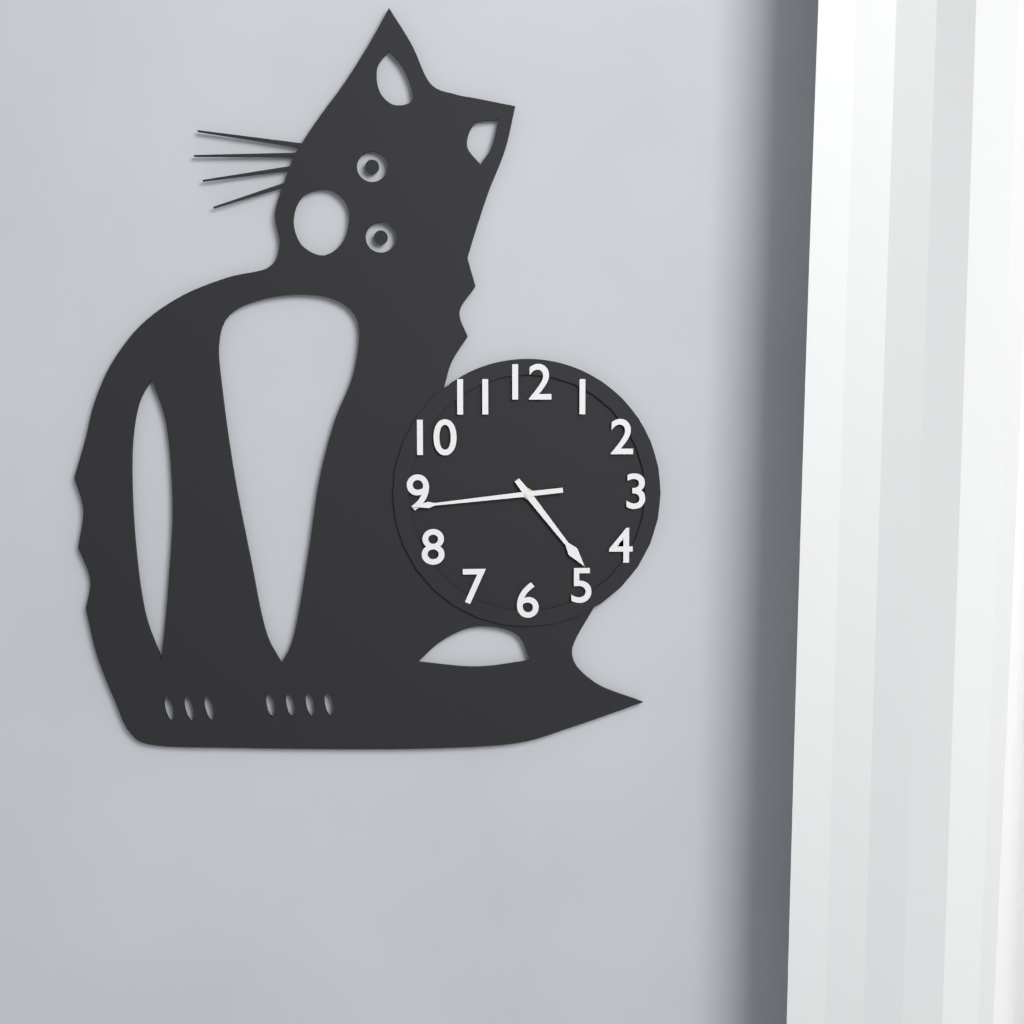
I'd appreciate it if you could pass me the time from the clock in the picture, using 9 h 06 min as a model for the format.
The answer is 4 h 44 min
